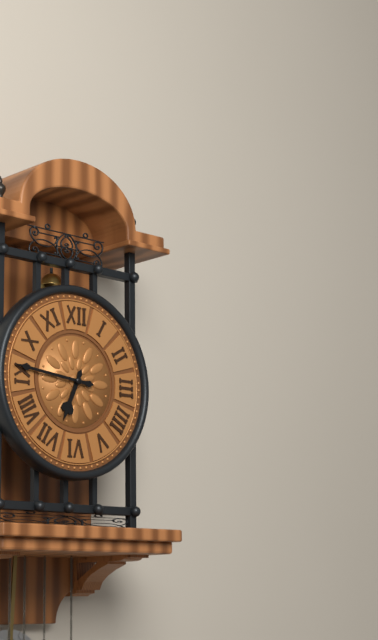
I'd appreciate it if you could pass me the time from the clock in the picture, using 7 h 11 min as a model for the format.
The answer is 6 h 46 min
